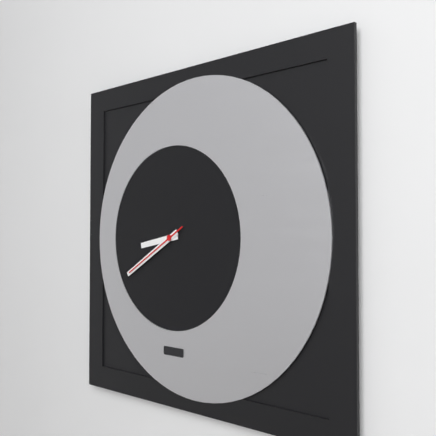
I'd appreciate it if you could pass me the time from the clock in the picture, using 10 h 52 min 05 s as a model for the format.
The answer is 8 h 40 min 40 s
